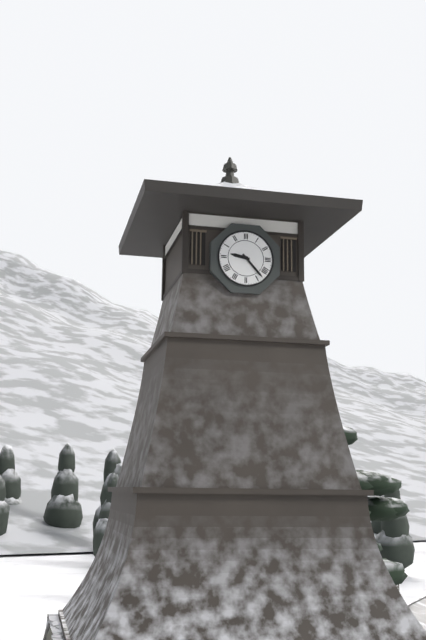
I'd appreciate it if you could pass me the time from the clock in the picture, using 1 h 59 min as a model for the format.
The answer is 9 h 23 min
